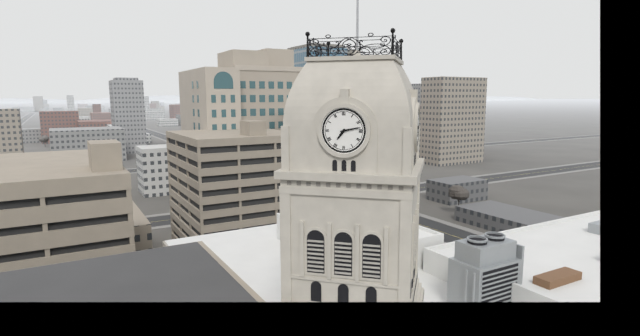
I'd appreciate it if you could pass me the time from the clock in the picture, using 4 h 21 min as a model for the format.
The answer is 7 h 13 min
